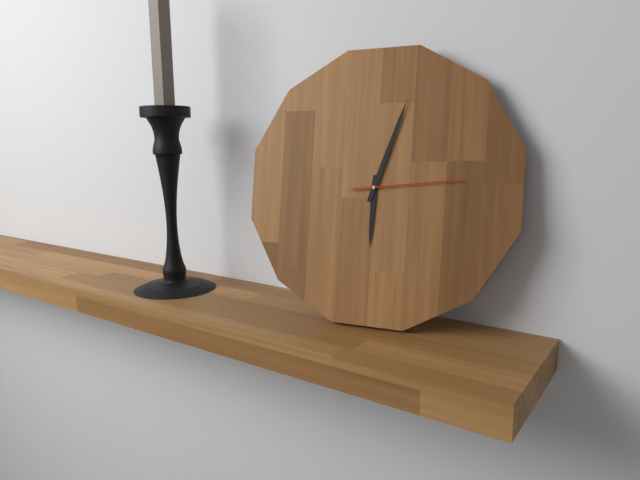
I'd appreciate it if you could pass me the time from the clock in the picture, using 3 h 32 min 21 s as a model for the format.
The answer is 6 h 03 min 14 s
